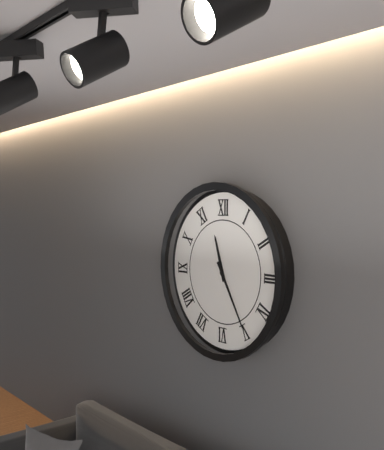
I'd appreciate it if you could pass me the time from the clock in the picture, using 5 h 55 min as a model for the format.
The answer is 11 h 25 min
